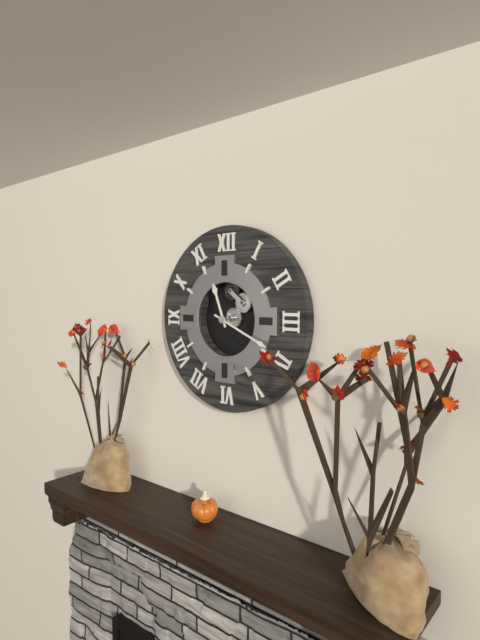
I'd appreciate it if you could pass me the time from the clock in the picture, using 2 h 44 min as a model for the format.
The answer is 11 h 19 min
